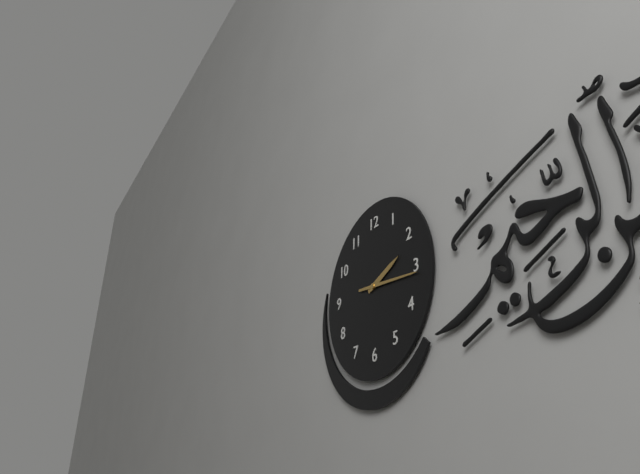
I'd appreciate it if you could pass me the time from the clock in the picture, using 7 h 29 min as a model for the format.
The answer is 2 h 16 min
